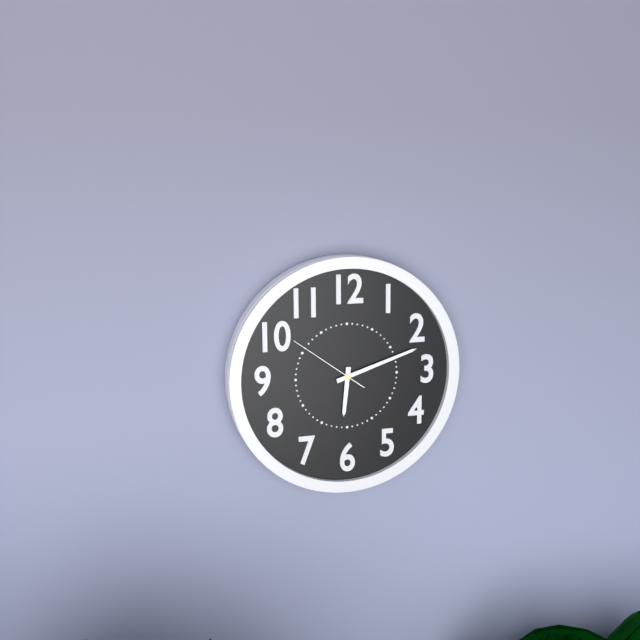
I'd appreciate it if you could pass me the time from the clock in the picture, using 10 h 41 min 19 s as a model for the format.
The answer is 6 h 12 min 51 s
